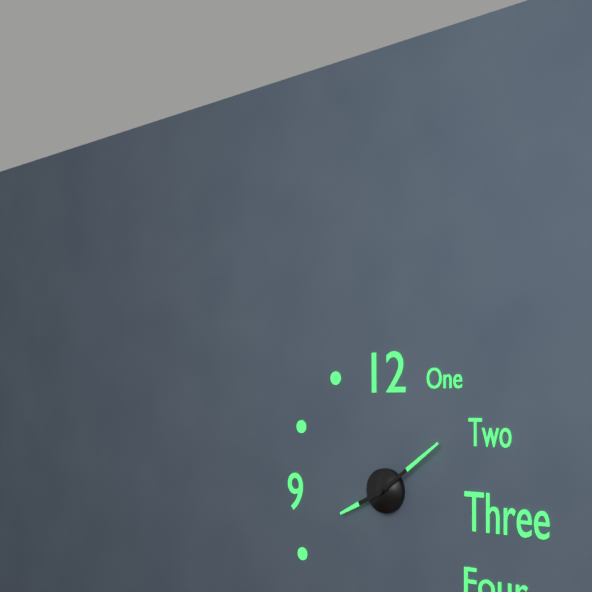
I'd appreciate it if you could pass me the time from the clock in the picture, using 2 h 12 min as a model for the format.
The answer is 8 h 09 min
